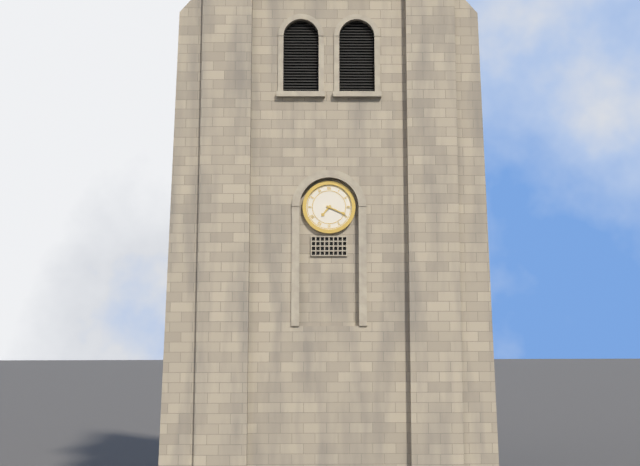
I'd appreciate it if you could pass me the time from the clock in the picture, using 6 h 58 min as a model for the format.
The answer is 7 h 19 min
